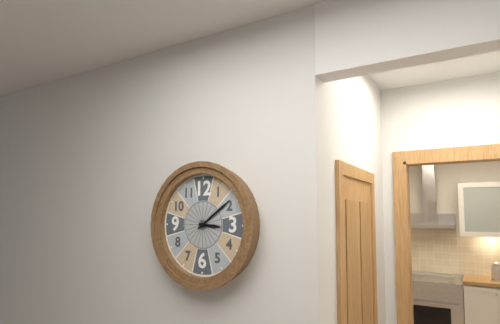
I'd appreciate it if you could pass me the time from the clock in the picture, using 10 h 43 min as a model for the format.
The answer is 3 h 09 min
